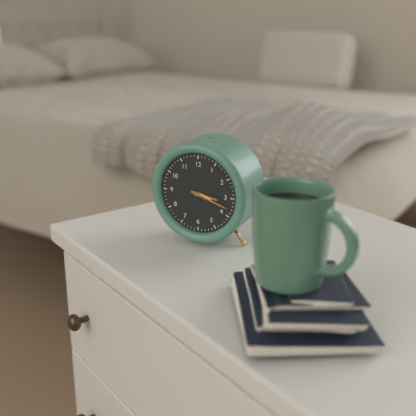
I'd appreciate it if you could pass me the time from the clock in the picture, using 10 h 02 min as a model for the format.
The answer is 3 h 18 min
